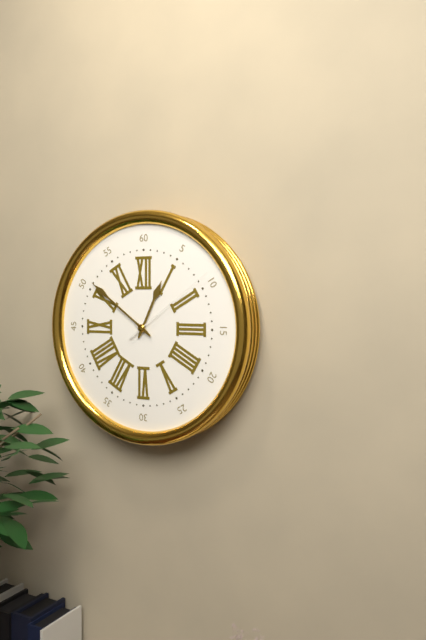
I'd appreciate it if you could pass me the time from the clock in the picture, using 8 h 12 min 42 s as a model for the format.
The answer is 12 h 51 min 09 s
